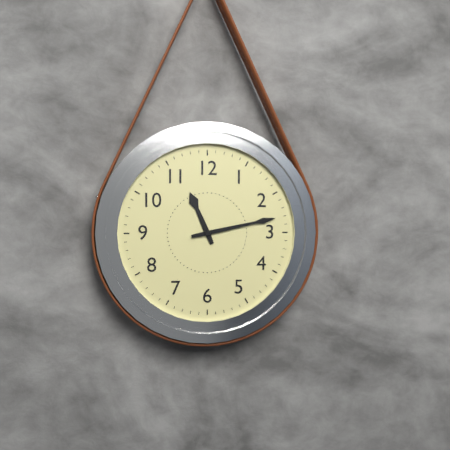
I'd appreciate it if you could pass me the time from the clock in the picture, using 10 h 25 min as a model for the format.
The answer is 11 h 13 min
